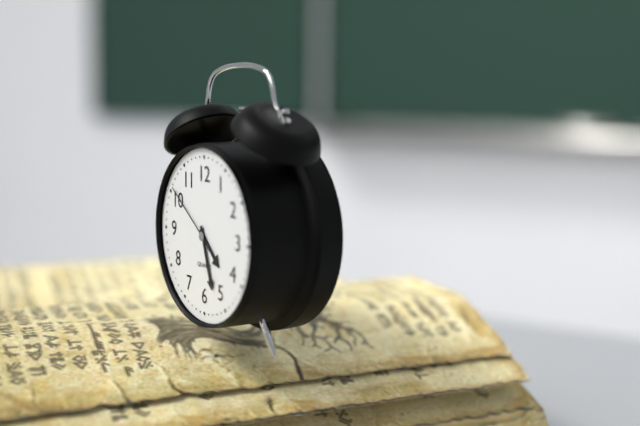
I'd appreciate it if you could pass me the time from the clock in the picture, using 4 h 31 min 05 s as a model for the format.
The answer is 4 h 27 min 51 s
